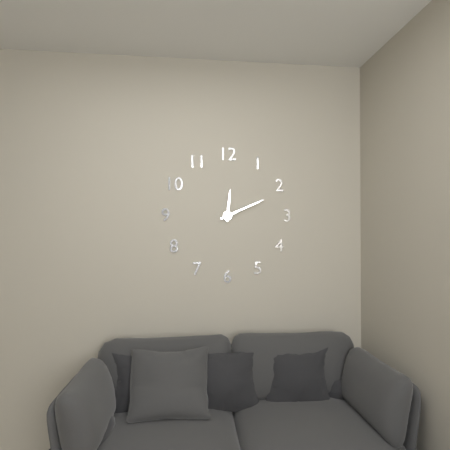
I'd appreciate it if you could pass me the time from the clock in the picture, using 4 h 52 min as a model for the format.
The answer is 12 h 11 min
